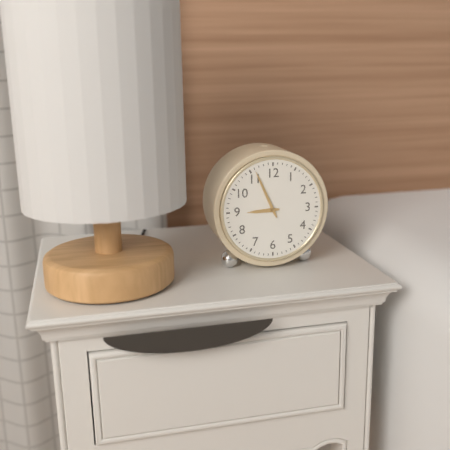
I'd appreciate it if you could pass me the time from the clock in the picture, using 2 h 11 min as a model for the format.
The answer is 8 h 56 min
